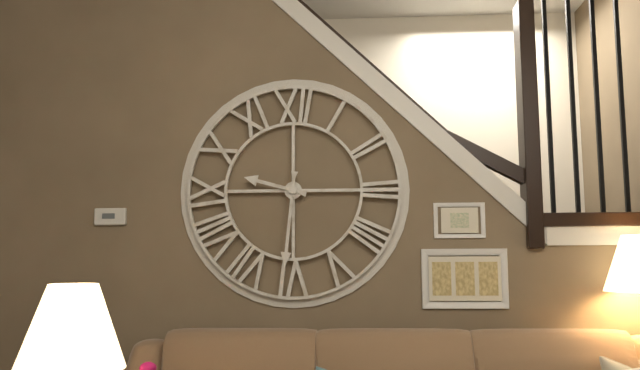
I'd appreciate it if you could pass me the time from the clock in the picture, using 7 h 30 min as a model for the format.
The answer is 9 h 31 min
